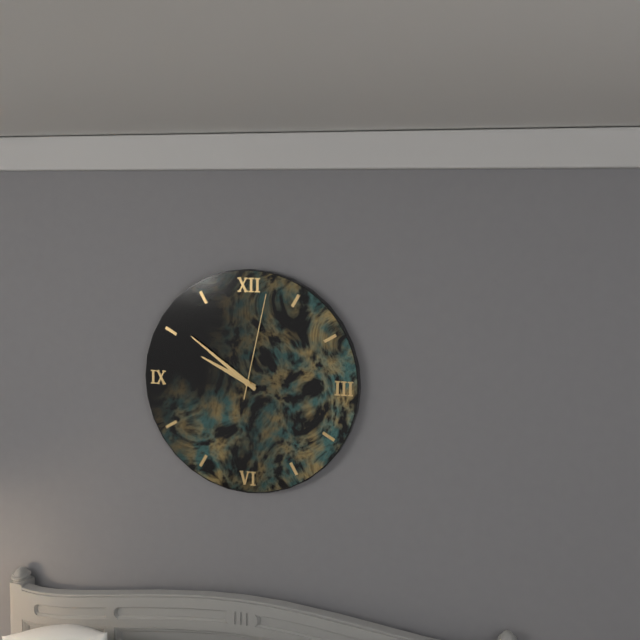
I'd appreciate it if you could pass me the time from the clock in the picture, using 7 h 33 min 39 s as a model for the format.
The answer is 9 h 51 min 02 s
